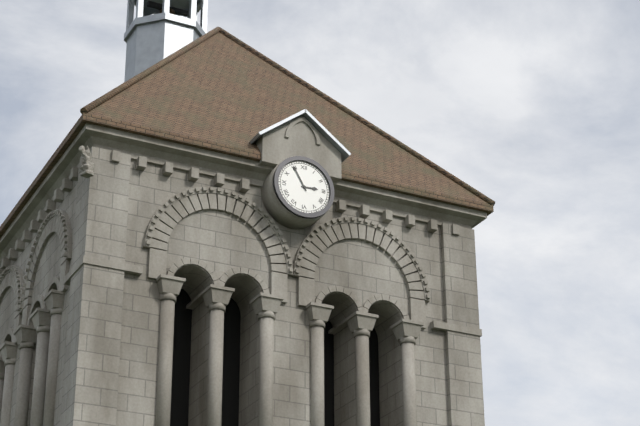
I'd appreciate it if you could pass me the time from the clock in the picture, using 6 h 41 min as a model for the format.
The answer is 2 h 55 min
